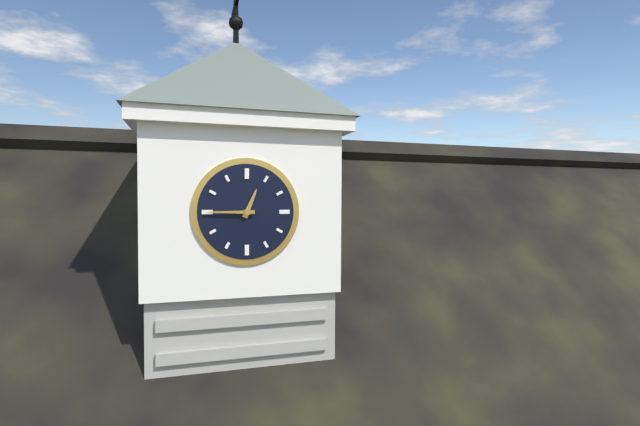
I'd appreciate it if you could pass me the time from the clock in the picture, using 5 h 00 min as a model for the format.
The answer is 12 h 45 min
